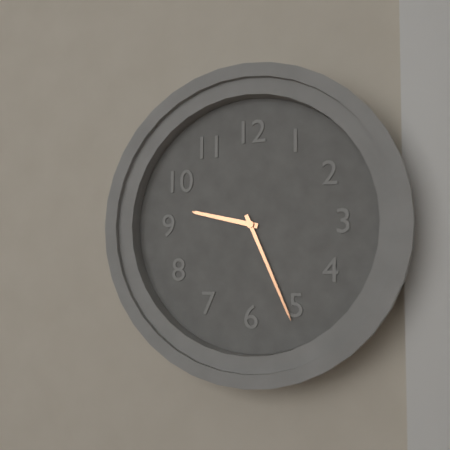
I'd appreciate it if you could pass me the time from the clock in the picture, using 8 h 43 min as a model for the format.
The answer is 9 h 26 min
